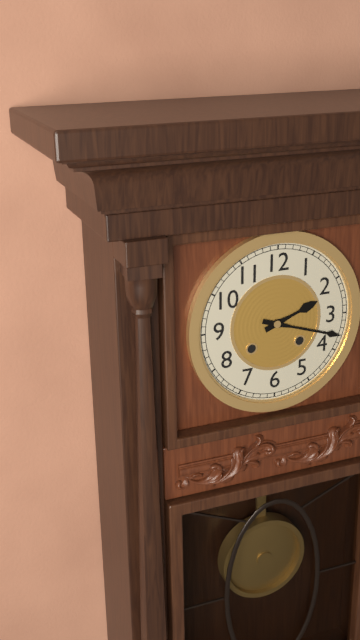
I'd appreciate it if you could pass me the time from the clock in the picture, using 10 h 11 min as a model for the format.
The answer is 2 h 18 min
